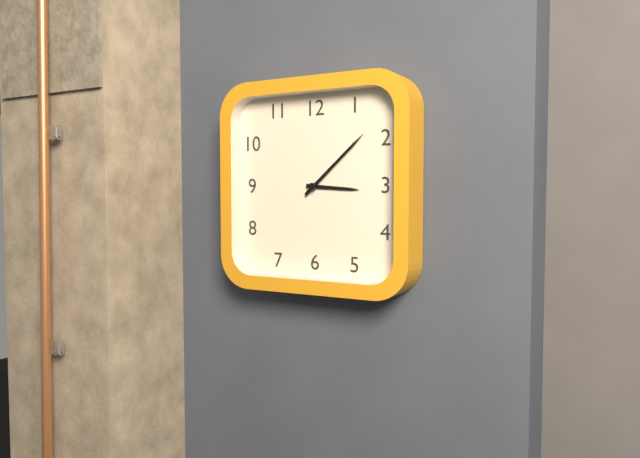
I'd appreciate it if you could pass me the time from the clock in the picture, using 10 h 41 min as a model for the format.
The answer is 3 h 08 min
